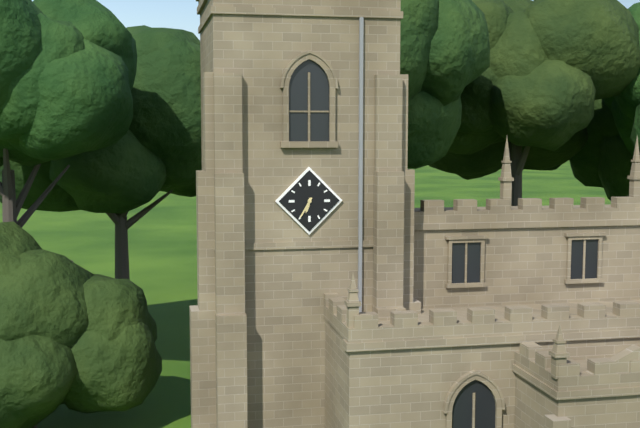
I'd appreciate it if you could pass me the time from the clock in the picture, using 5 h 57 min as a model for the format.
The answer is 6 h 35 min
